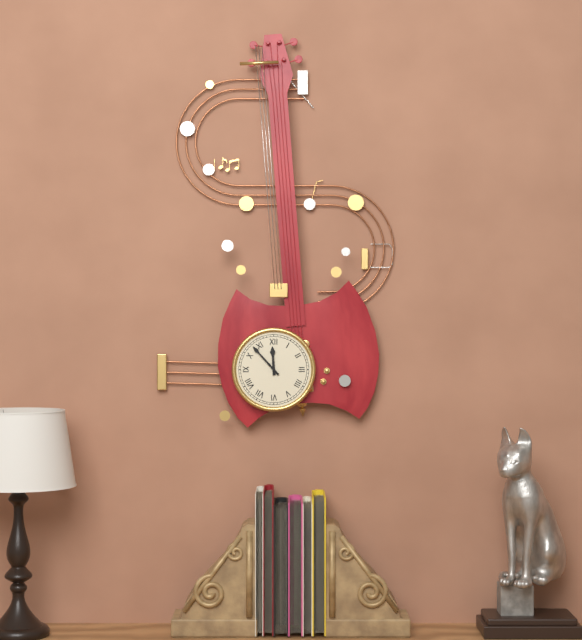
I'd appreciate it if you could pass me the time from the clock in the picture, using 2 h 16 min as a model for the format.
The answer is 11 h 53 min
